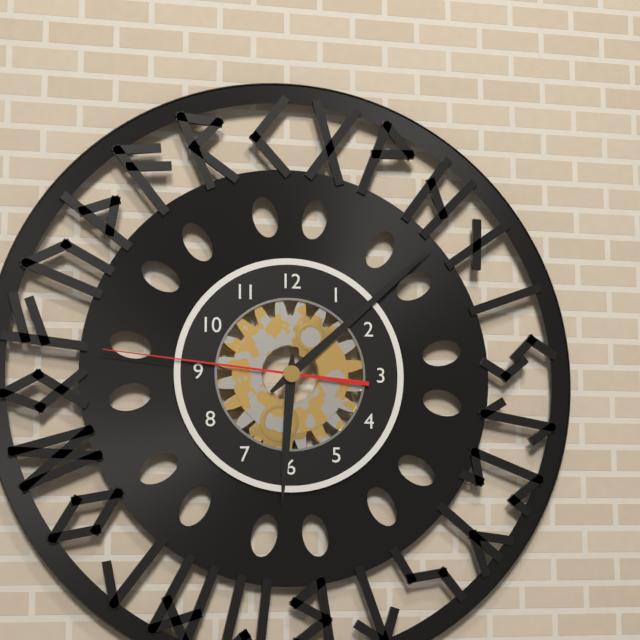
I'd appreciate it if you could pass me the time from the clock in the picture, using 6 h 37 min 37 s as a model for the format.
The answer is 6 h 08 min 46 s
